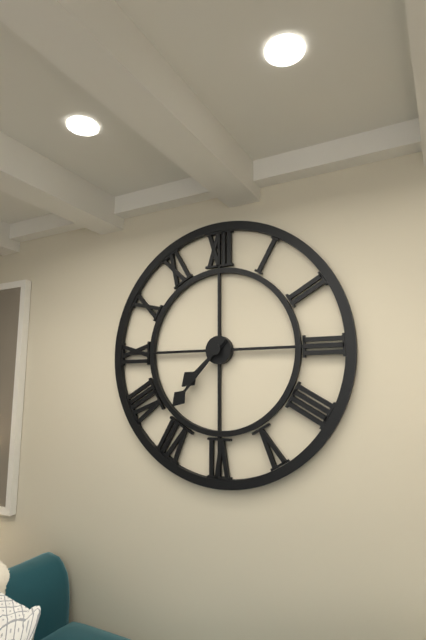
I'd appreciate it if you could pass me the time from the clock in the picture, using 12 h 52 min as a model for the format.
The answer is 7 h 37 min
